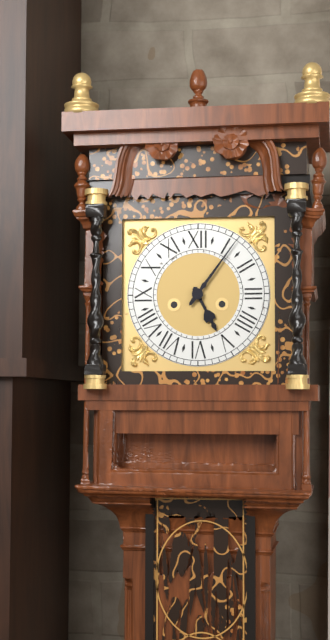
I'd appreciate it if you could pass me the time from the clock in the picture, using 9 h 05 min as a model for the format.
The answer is 5 h 06 min
